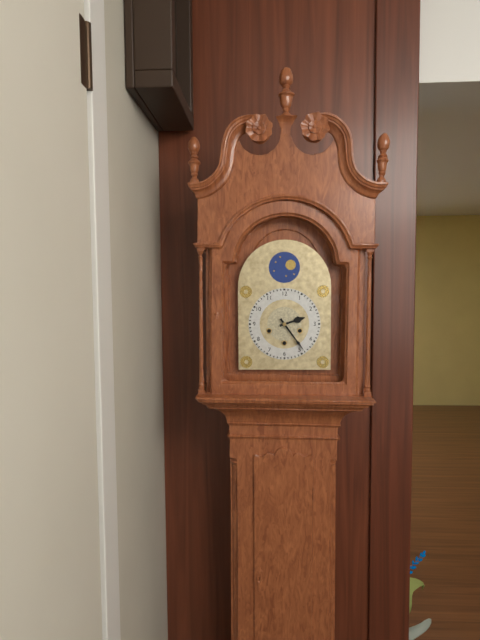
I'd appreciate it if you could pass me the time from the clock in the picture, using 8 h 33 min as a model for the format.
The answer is 2 h 24 min
